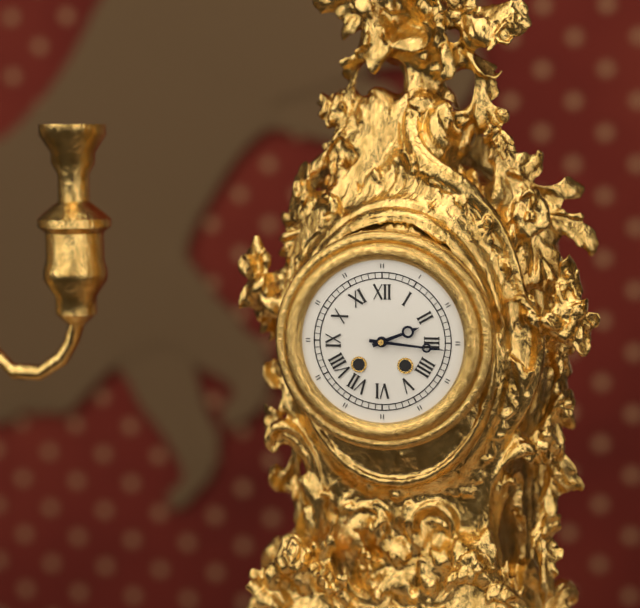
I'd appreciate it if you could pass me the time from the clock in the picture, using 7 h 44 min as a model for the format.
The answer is 2 h 16 min
